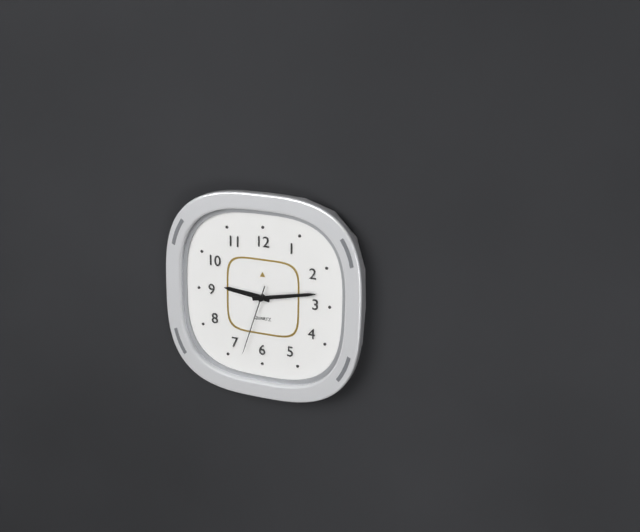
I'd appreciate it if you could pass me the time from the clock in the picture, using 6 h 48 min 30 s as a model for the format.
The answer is 9 h 13 min 33 s
